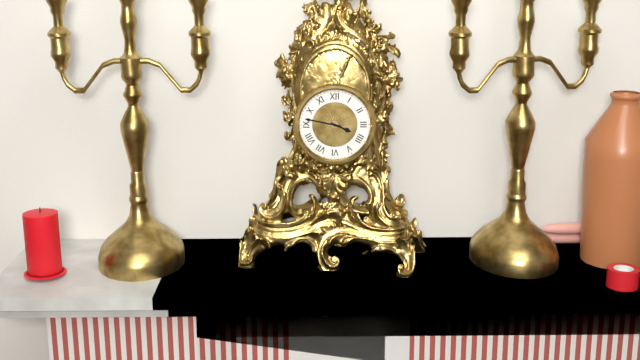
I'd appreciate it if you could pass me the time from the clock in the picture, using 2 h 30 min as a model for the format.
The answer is 3 h 47 min
